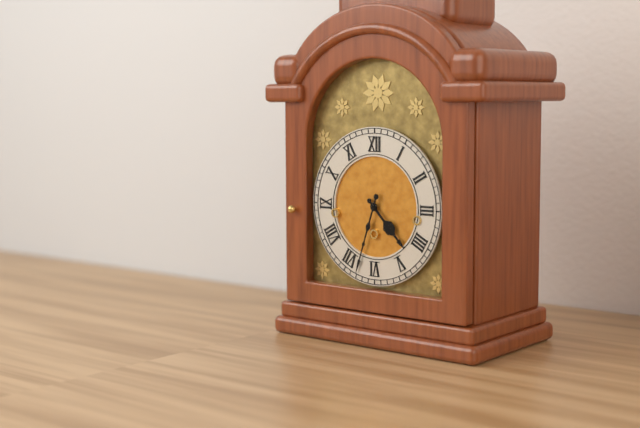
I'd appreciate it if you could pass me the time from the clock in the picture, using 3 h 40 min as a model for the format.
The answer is 4 h 33 min
